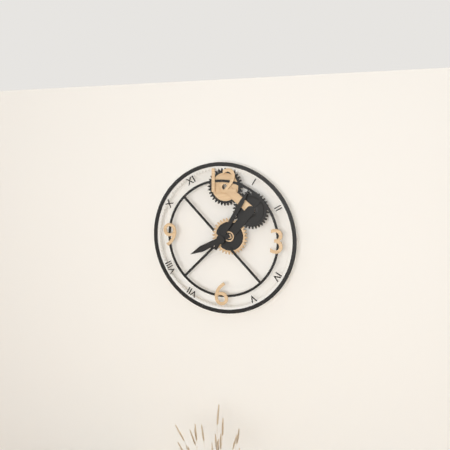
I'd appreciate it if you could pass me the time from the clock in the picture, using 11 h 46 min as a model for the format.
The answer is 8 h 05 min
